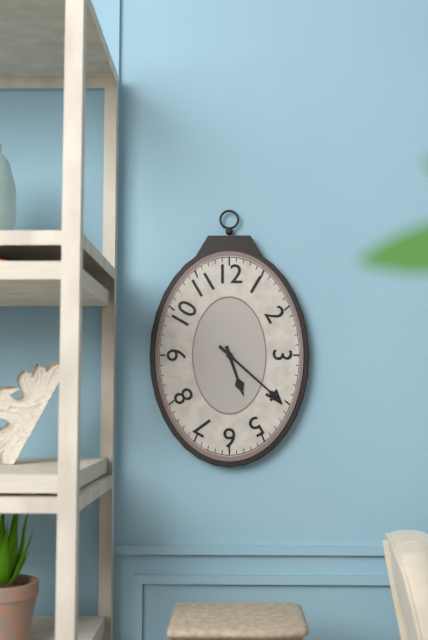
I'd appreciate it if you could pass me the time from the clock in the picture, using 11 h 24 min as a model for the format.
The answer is 5 h 22 min
